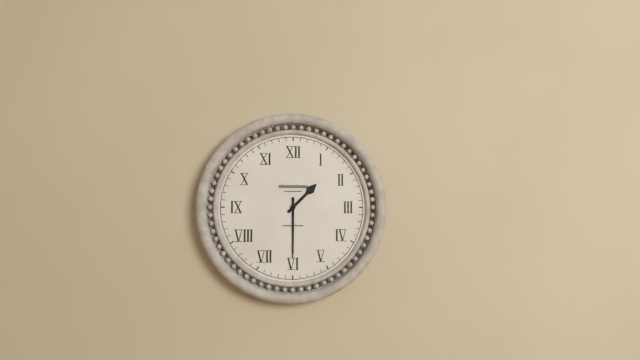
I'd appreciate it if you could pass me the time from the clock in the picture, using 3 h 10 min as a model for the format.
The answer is 1 h 30 min
